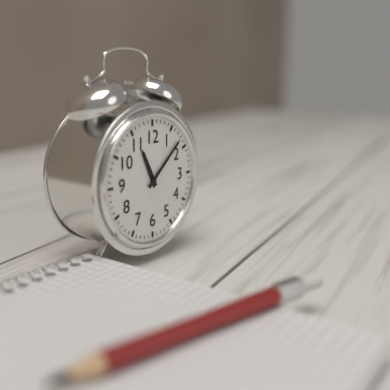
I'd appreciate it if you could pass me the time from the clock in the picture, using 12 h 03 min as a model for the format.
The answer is 11 h 08 min
